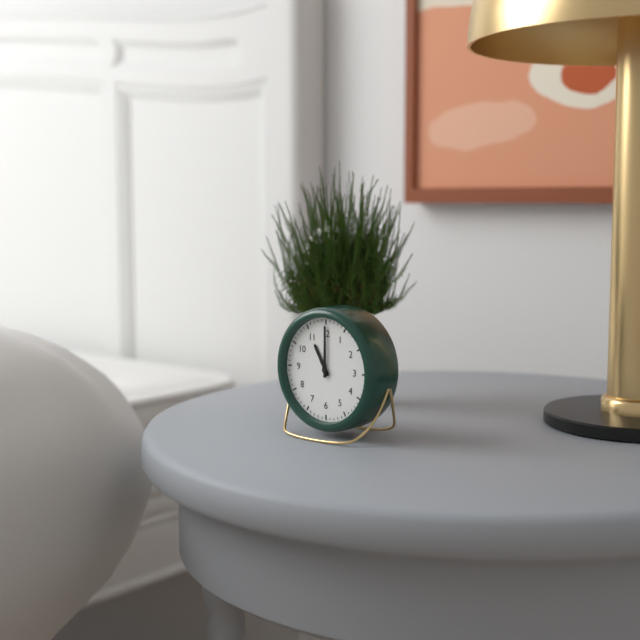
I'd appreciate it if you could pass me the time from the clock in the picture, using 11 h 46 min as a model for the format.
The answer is 11 h 00 min
